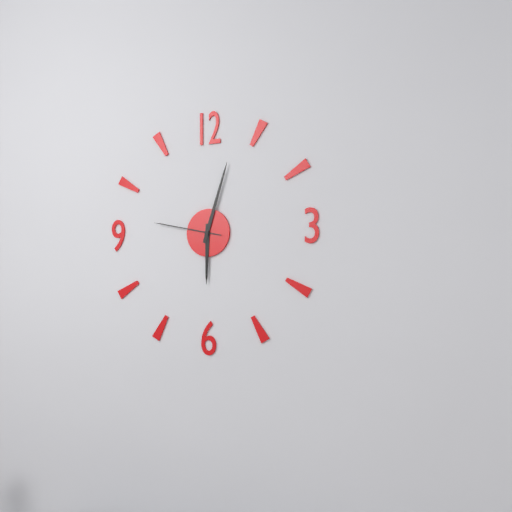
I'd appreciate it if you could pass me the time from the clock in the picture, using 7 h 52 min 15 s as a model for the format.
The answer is 6 h 03 min 47 s
